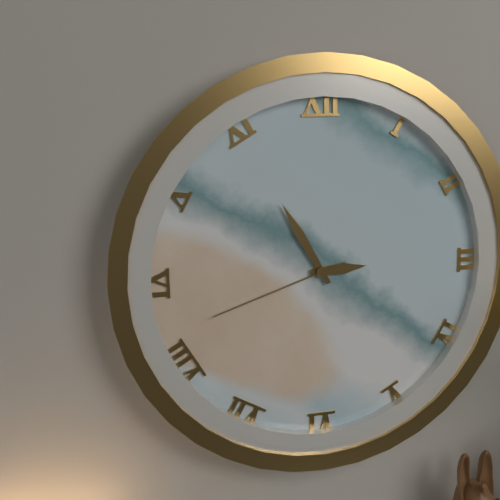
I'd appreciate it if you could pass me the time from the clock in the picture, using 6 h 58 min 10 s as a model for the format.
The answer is 2 h 55 min 42 s
